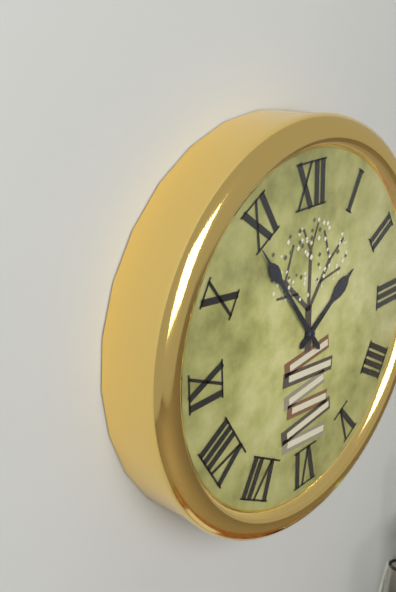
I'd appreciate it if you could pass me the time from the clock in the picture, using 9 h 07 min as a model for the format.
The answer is 1 h 54 min
